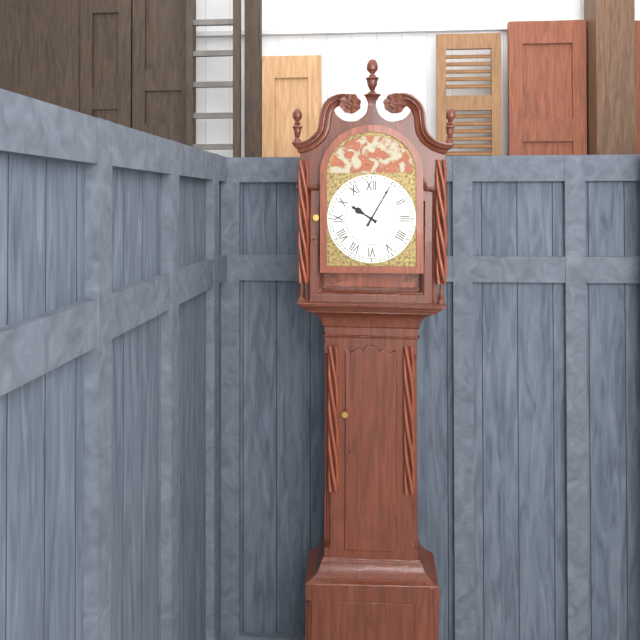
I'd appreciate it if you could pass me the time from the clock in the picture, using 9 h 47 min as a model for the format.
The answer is 10 h 05 min
